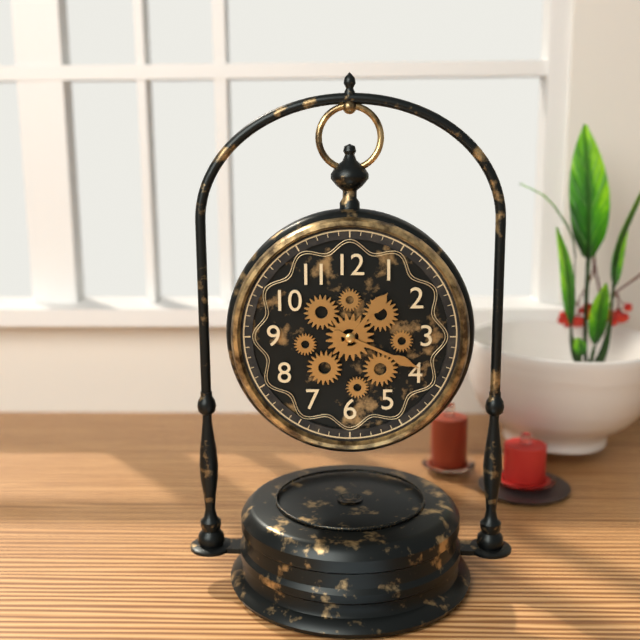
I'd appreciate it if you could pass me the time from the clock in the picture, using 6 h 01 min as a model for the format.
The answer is 1 h 19 min
